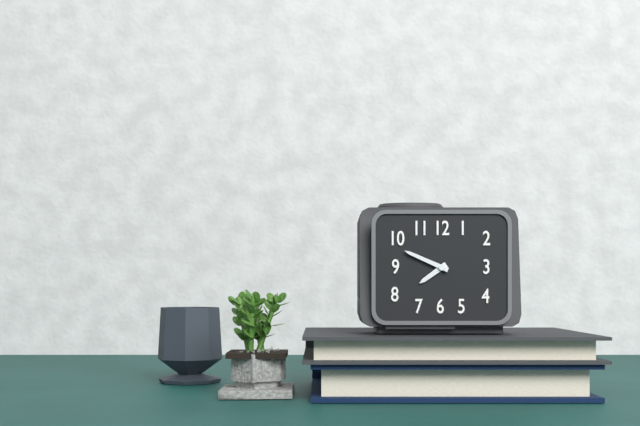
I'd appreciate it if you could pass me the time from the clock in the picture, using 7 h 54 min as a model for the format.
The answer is 7 h 49 min
